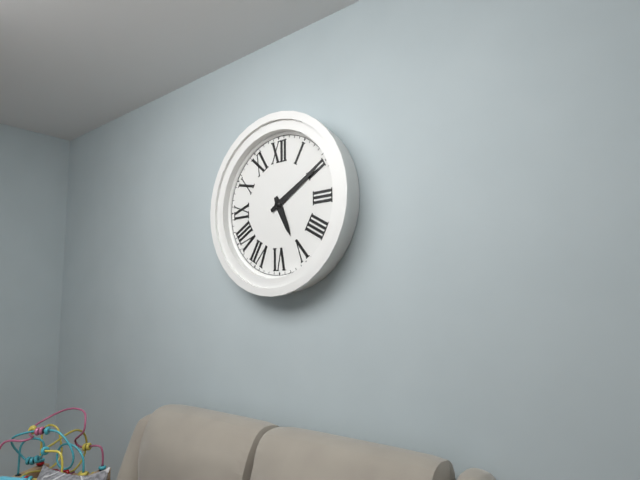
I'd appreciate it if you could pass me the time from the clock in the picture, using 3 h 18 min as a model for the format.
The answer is 5 h 10 min
